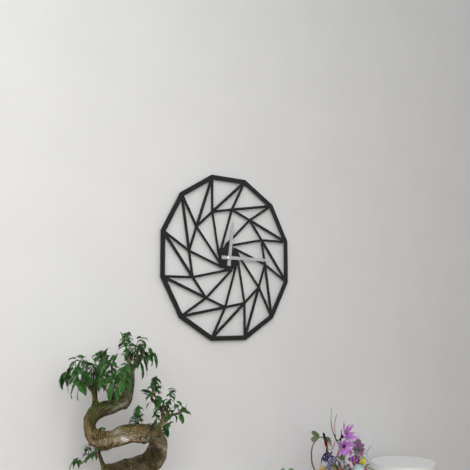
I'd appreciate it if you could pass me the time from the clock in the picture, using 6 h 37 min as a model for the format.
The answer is 12 h 15 min
